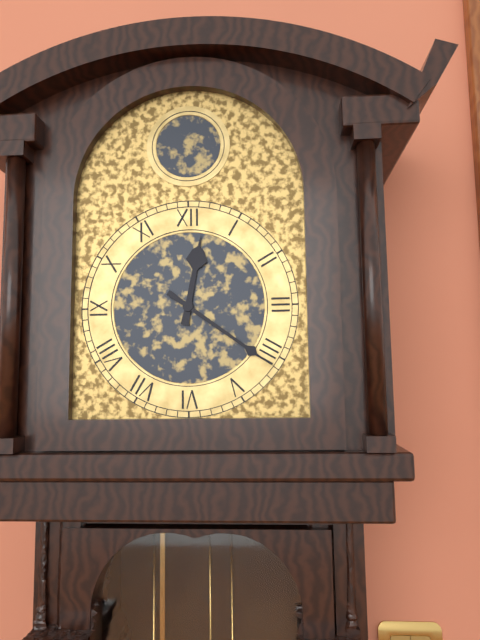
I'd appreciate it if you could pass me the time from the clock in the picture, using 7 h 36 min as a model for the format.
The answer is 12 h 21 min
